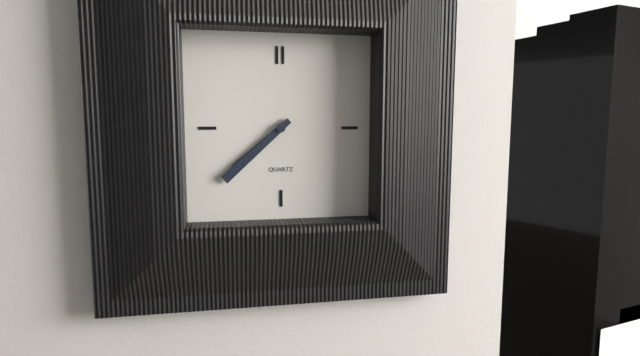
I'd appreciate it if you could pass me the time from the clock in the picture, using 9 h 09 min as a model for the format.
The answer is 7 h 38 min
